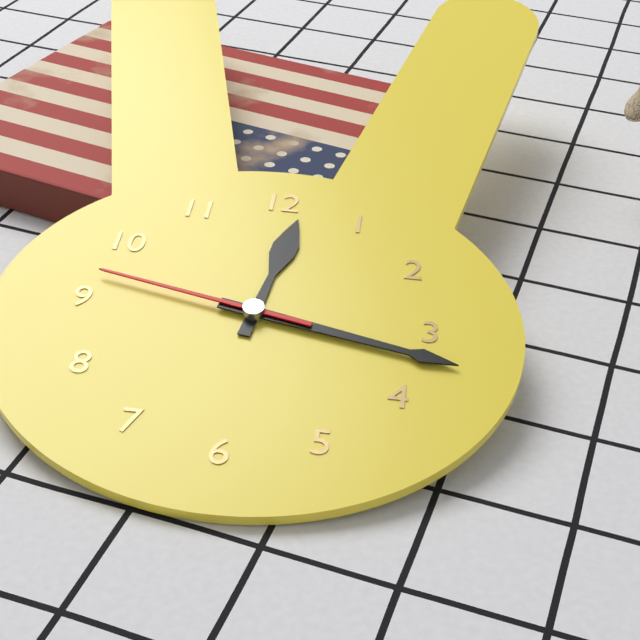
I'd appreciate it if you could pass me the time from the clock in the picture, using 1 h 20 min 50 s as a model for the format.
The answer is 12 h 17 min 47 s
